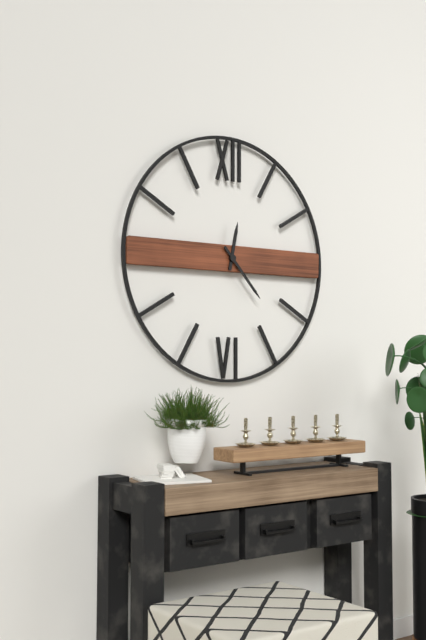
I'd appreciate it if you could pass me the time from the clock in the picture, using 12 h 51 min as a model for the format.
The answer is 12 h 23 min
